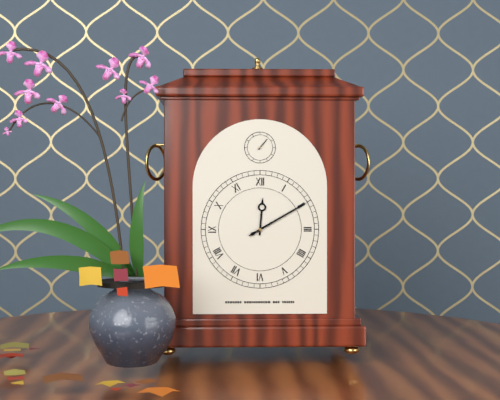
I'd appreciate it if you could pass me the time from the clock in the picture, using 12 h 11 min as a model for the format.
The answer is 12 h 10 min
